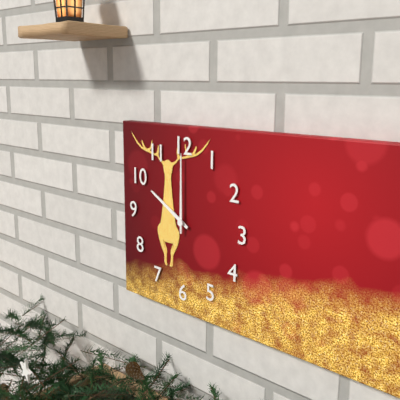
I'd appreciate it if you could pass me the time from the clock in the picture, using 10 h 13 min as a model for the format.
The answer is 10 h 00 min
